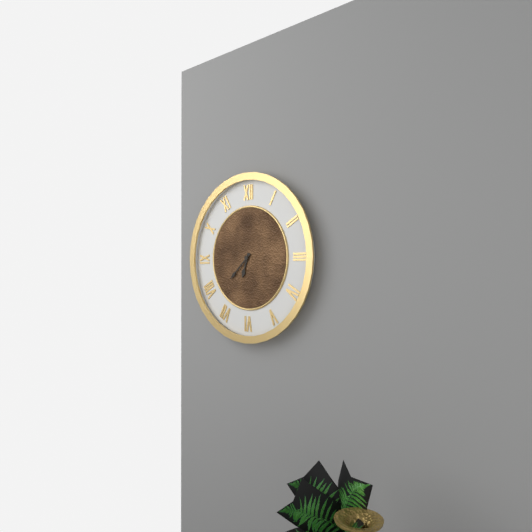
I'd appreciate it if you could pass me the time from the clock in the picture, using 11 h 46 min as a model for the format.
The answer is 6 h 38 min
